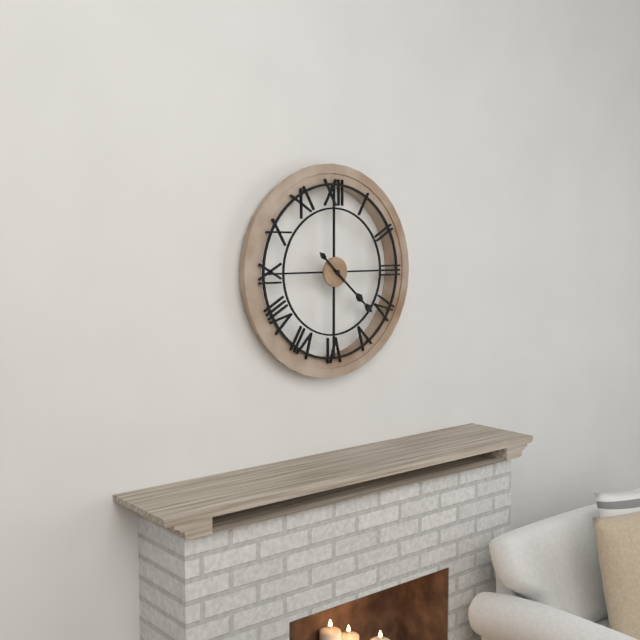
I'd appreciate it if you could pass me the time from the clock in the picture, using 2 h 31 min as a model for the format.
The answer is 4 h 22 min
